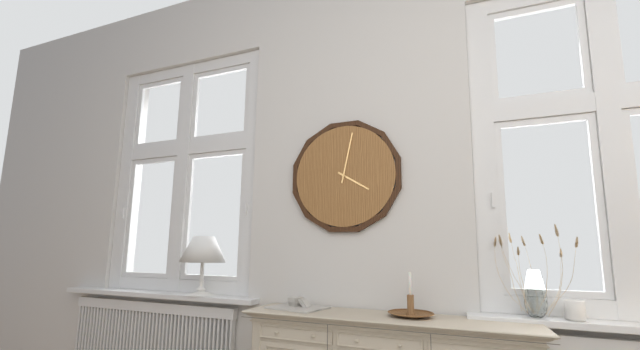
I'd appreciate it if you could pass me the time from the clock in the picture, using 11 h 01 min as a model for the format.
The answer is 4 h 02 min
